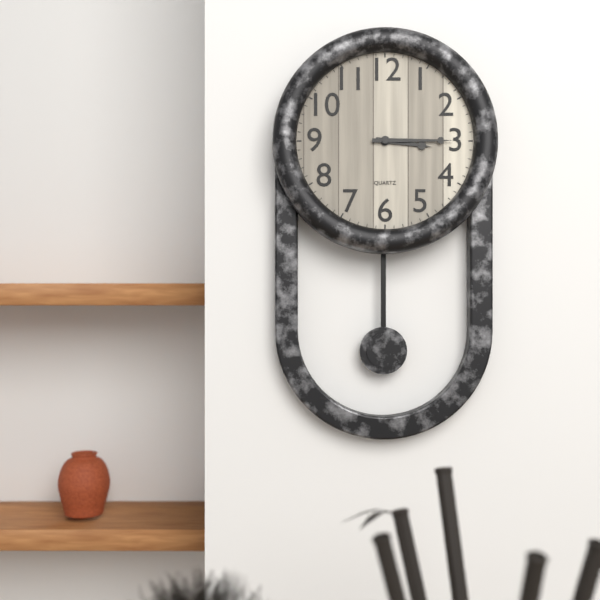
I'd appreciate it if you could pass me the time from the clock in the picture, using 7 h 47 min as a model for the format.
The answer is 3 h 15 min
